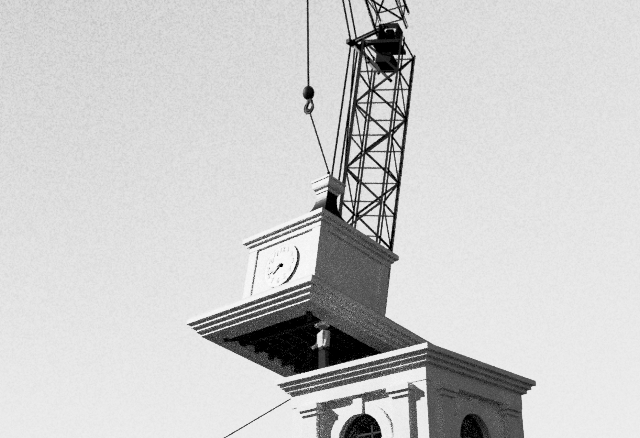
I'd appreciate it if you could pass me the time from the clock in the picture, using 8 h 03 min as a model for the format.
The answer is 7 h 42 min
